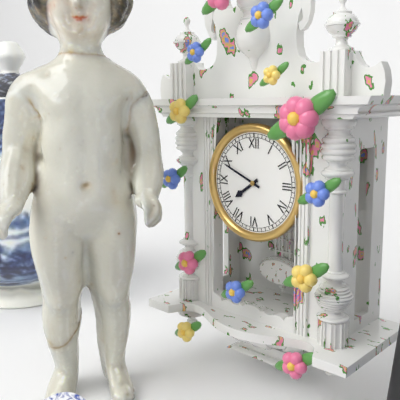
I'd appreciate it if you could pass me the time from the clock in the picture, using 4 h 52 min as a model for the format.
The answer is 7 h 49 min
